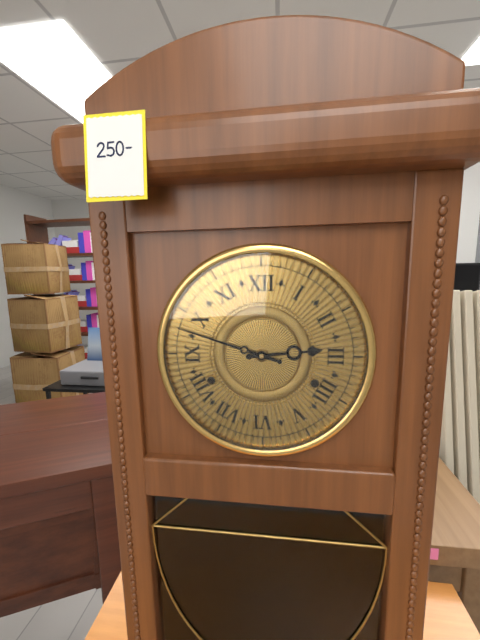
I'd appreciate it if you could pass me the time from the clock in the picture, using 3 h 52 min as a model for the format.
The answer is 2 h 48 min
